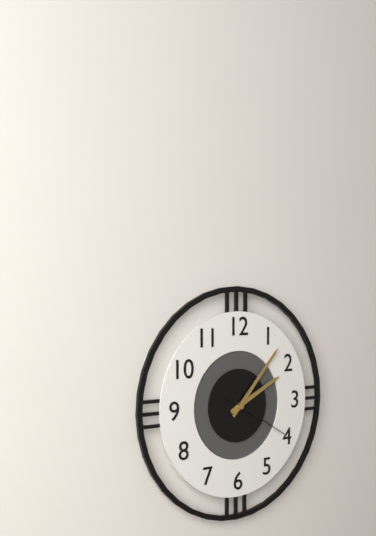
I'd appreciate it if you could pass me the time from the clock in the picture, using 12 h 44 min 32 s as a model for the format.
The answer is 2 h 07 min 20 s
